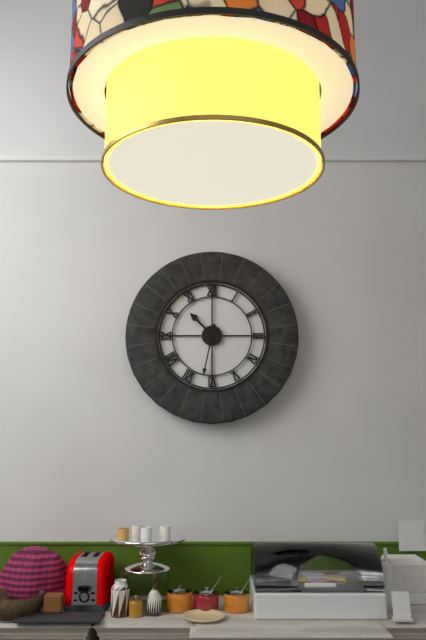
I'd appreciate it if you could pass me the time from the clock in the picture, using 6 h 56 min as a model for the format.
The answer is 10 h 32 min
